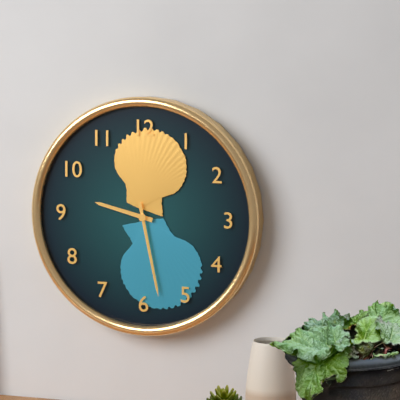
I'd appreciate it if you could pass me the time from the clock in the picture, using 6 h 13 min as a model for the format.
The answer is 9 h 28 min
